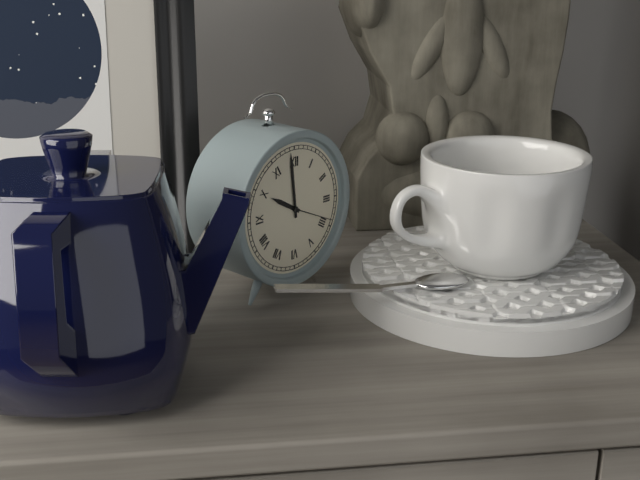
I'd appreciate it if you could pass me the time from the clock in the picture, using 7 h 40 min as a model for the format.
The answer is 9 h 59 min
